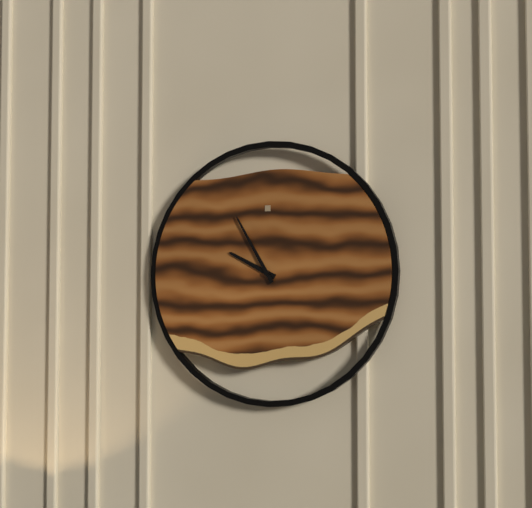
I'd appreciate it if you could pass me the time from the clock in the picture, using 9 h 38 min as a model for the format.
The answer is 9 h 55 min
